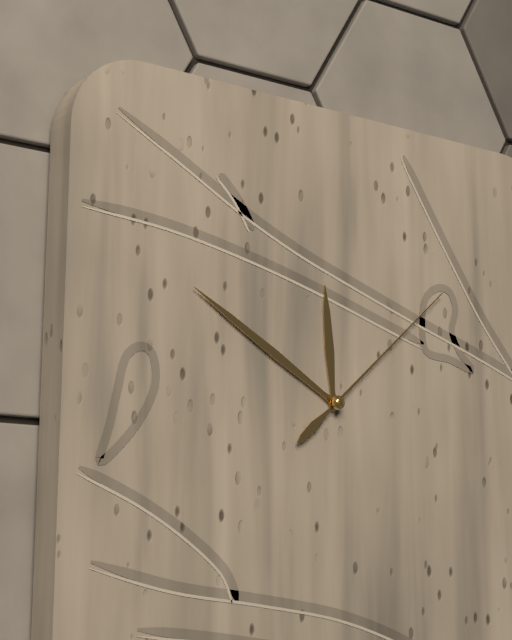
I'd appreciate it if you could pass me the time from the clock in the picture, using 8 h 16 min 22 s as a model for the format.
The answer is 11 h 50 min 08 s
